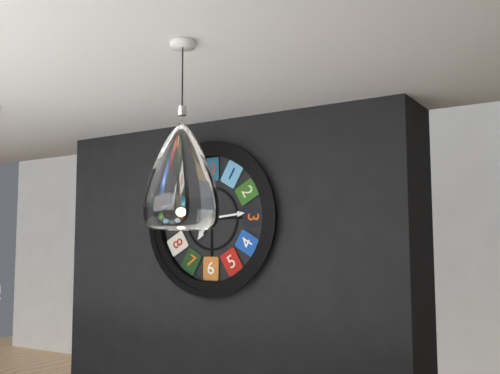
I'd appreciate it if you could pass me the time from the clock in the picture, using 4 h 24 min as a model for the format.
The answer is 7 h 14 min
